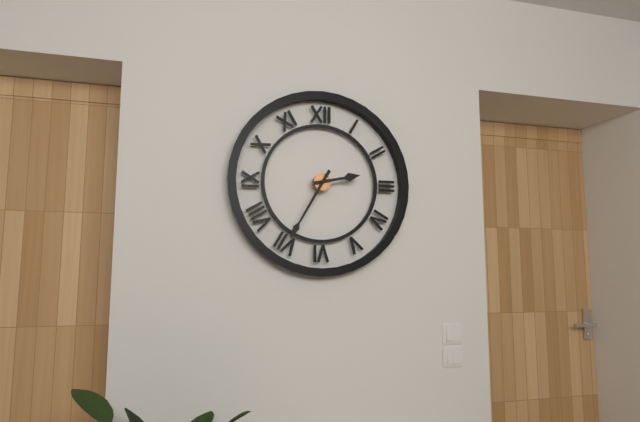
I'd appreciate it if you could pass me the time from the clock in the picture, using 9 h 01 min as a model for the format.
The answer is 2 h 35 min
